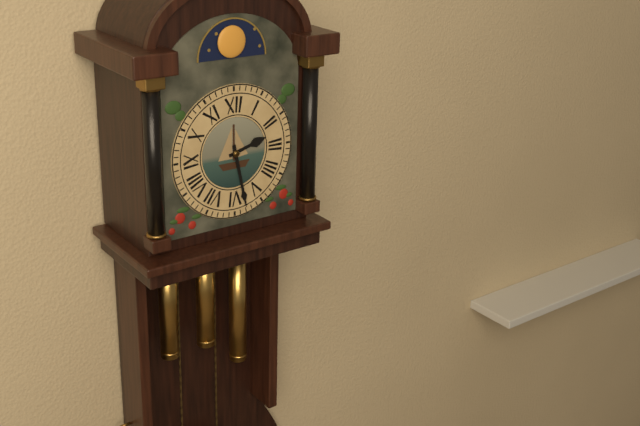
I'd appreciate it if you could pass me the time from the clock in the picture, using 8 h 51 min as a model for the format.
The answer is 2 h 28 min
